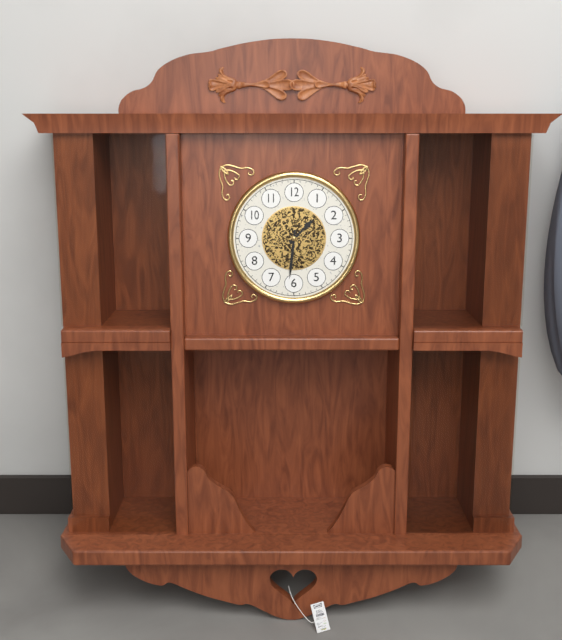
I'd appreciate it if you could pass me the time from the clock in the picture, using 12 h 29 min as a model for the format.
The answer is 1 h 31 min
